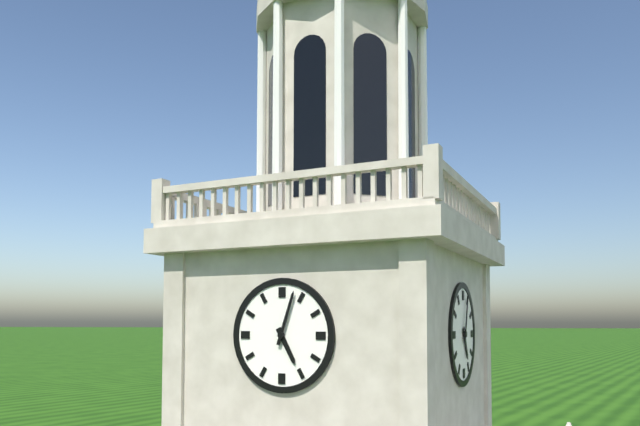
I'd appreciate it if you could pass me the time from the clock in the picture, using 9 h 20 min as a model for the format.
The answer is 5 h 03 min
